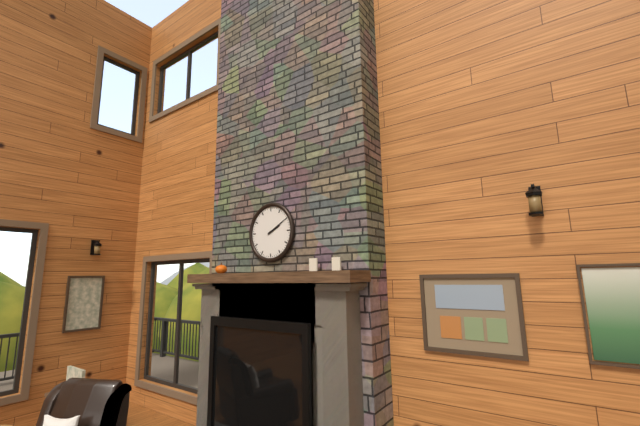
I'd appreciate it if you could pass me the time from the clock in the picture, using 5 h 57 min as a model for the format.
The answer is 2 h 10 min
